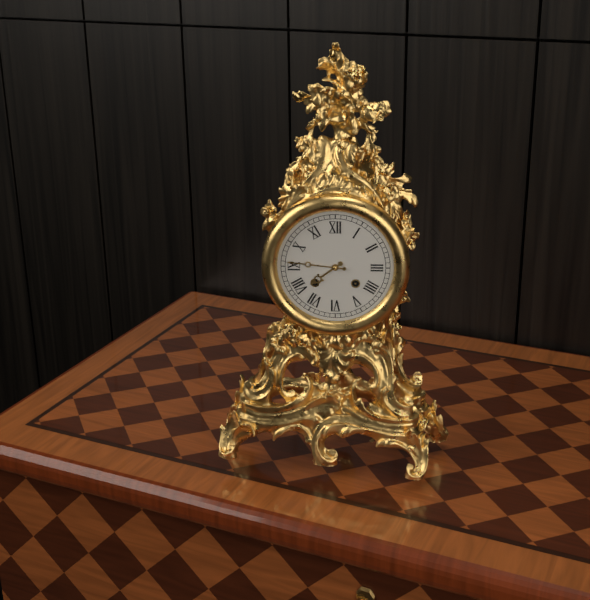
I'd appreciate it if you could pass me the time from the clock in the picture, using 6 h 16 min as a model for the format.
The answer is 7 h 46 min
